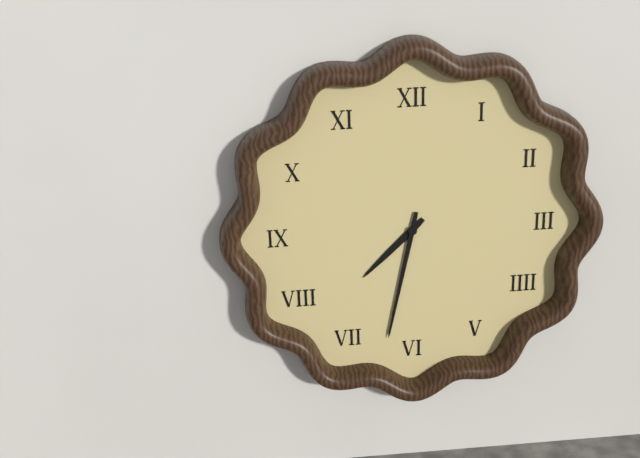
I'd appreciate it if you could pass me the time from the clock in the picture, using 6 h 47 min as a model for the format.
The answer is 7 h 32 min
